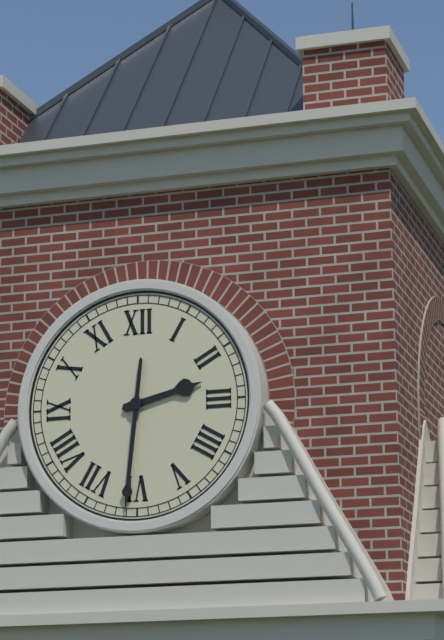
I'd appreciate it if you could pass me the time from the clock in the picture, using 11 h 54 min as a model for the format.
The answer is 2 h 31 min
